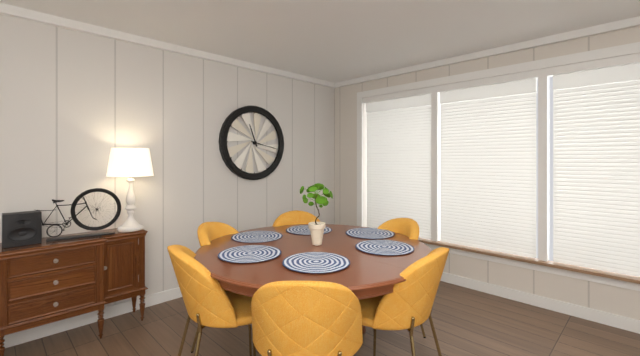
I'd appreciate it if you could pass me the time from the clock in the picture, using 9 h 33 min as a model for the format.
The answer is 11 h 17 min
